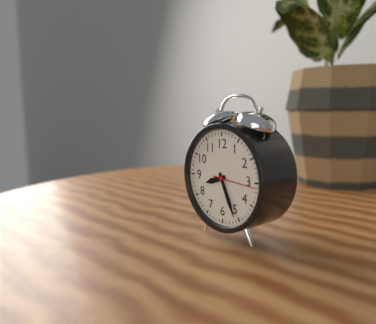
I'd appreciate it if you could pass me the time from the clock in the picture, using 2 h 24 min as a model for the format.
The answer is 8 h 26 min
